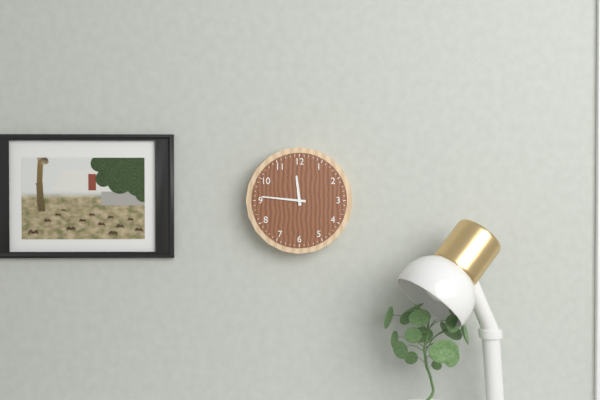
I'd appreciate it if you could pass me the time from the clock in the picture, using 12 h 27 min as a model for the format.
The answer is 11 h 46 min
